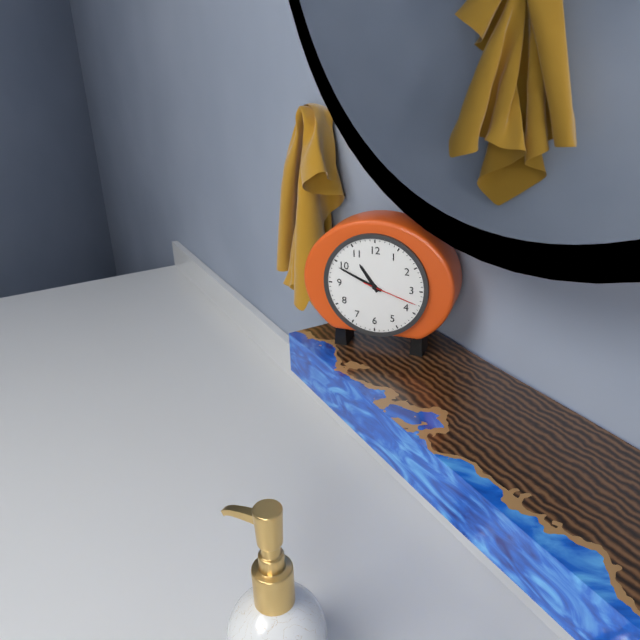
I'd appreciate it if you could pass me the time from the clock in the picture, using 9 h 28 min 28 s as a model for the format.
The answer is 10 h 49 min 18 s
